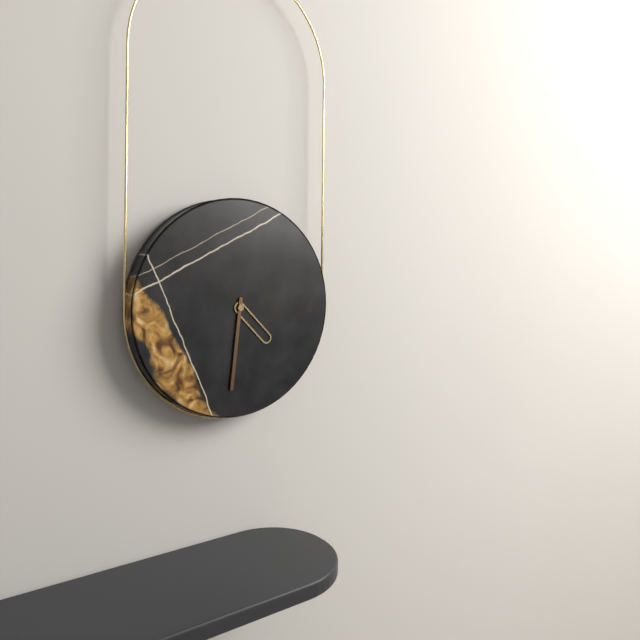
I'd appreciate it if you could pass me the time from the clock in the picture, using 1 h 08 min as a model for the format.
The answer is 4 h 31 min
